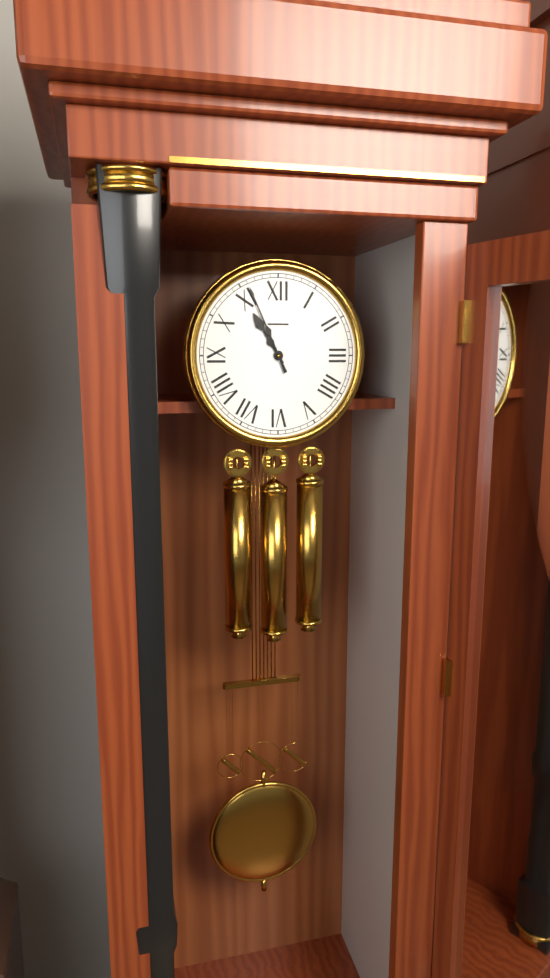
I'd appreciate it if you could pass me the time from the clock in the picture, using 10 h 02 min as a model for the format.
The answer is 10 h 56 min
